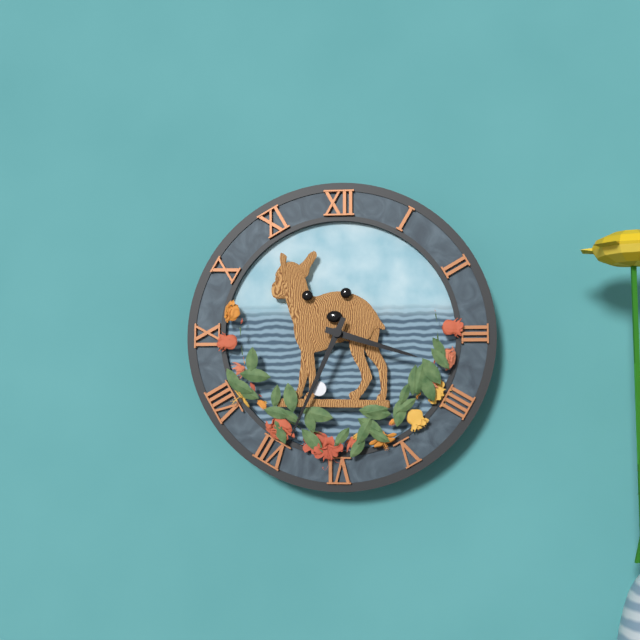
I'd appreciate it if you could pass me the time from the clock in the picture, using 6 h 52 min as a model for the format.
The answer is 3 h 34 min
